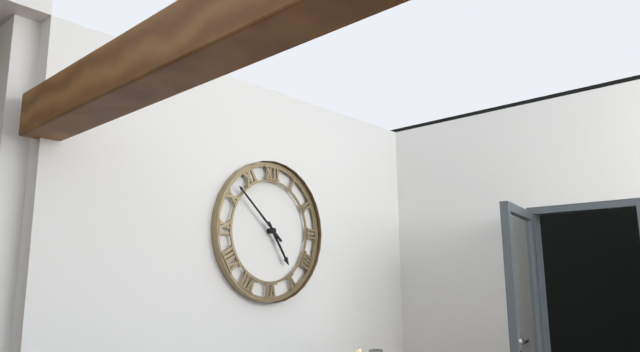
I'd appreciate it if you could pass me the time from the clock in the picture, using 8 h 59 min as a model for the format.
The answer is 4 h 52 min
